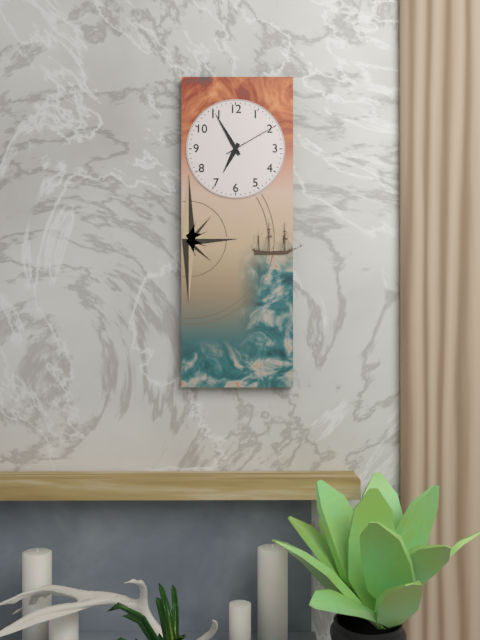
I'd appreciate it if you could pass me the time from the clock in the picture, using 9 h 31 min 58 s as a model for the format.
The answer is 6 h 55 min 10 s
